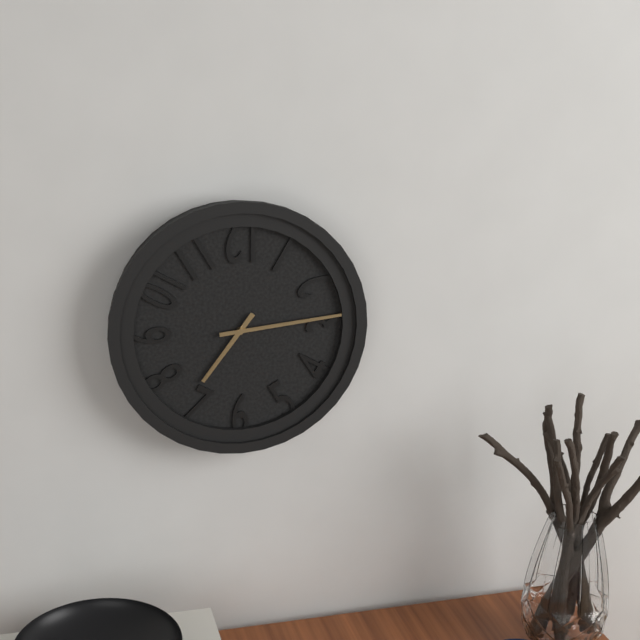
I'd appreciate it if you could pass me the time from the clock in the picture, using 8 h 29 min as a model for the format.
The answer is 7 h 14 min
